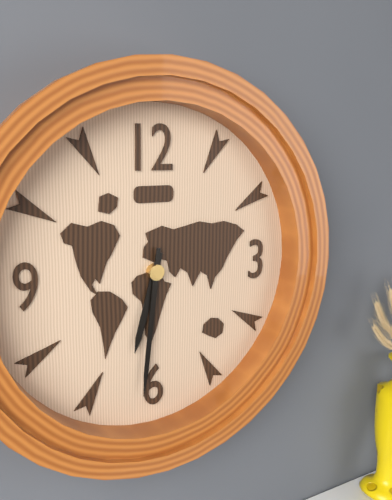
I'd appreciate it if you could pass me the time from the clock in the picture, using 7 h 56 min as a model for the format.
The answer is 6 h 31 min
